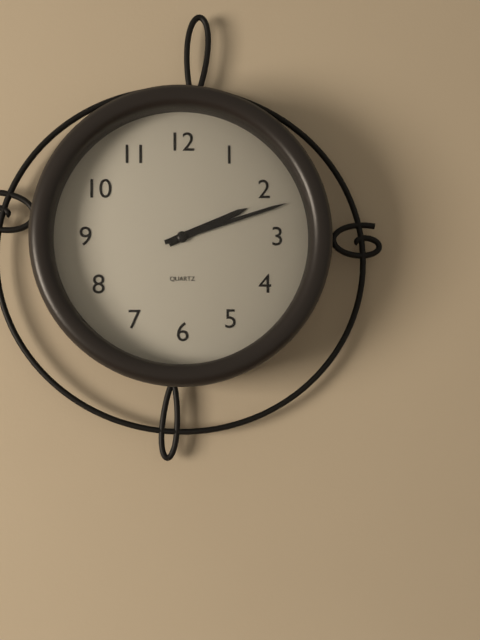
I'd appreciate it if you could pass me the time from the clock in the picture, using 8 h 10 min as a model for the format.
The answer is 2 h 12 min
